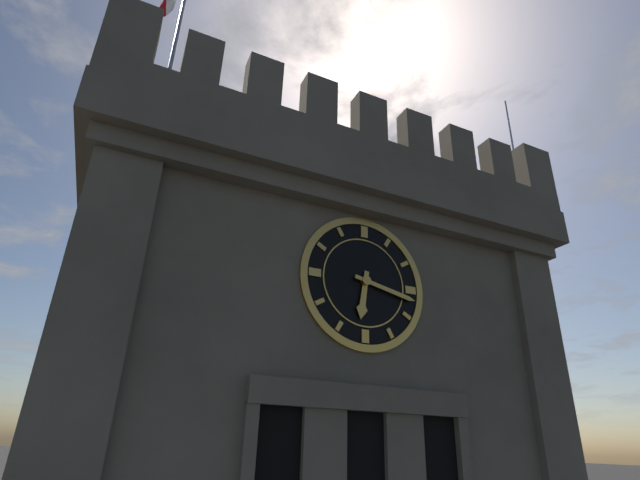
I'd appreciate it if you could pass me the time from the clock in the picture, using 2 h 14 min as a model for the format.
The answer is 6 h 17 min
